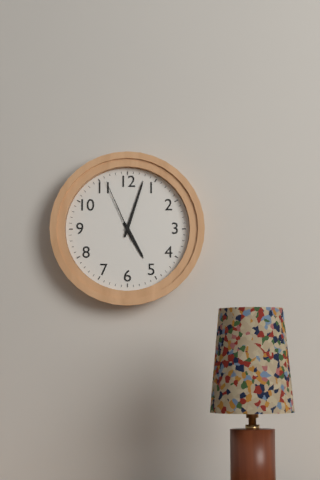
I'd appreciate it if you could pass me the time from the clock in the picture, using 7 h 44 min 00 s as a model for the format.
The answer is 5 h 03 min 56 s
